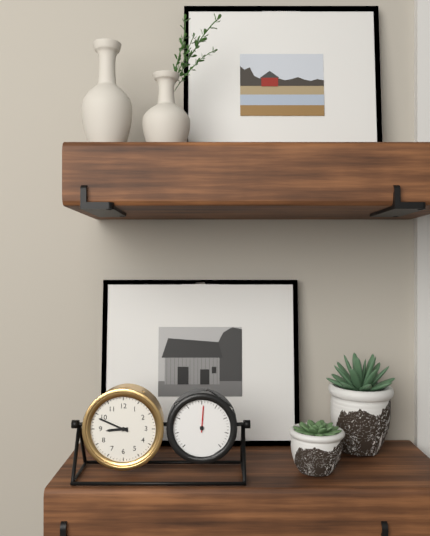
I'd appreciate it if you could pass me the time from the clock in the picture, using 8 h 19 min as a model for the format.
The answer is 8 h 49 min
